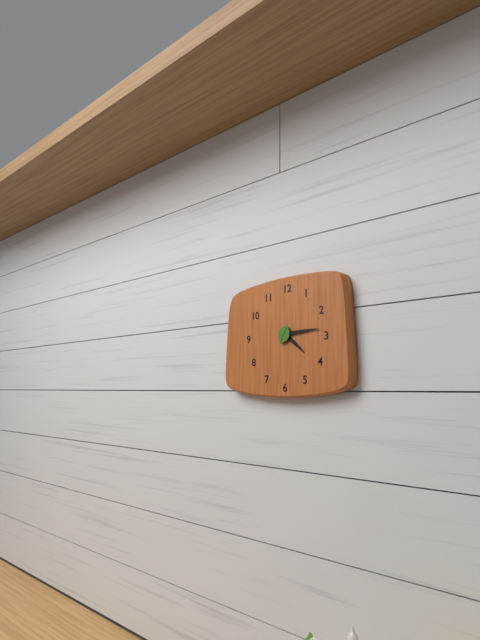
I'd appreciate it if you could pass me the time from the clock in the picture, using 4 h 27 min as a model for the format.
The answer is 4 h 14 min
